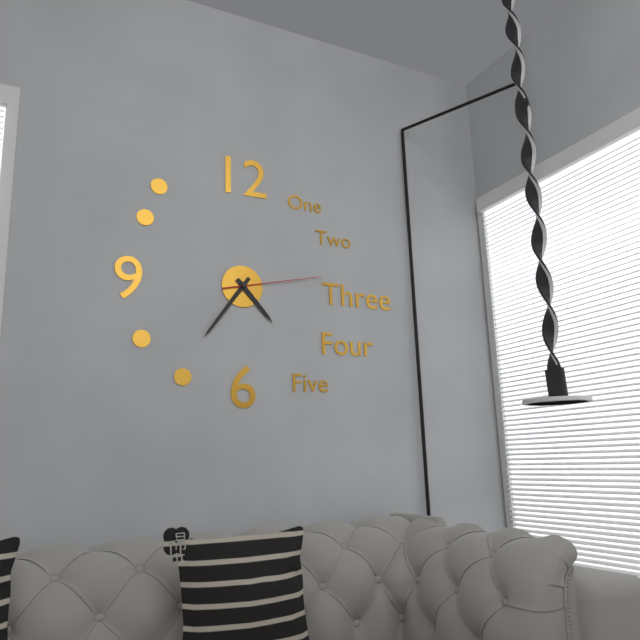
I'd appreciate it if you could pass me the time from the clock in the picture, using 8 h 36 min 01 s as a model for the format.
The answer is 4 h 36 min 13 s
